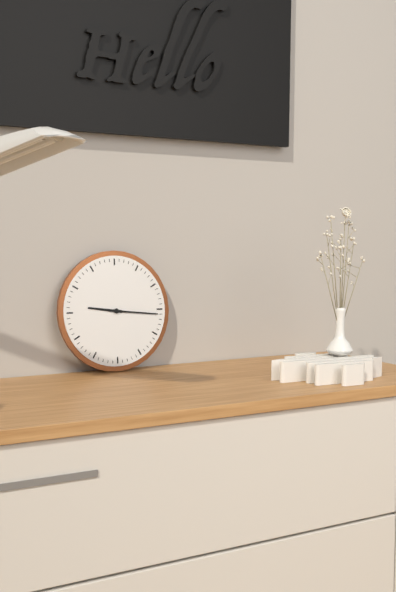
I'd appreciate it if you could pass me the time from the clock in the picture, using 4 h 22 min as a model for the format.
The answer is 9 h 16 min
